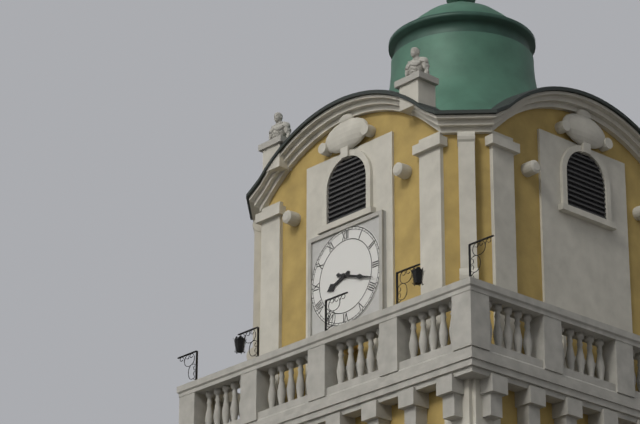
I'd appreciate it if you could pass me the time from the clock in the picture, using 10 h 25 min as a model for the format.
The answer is 8 h 18 min
